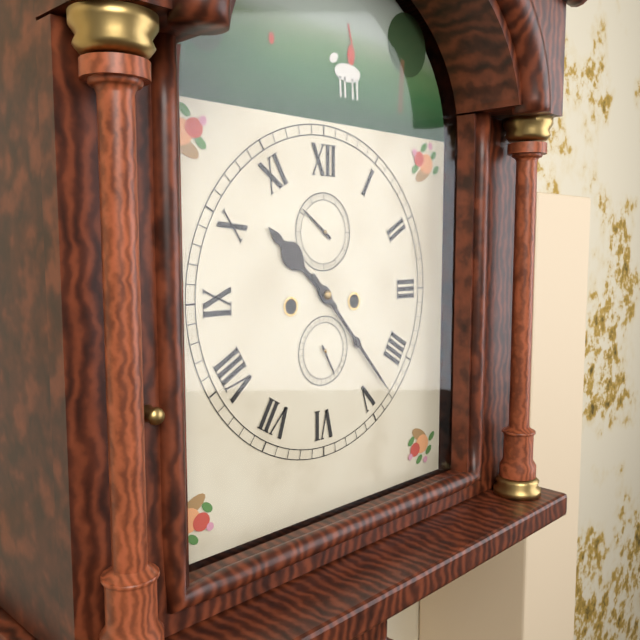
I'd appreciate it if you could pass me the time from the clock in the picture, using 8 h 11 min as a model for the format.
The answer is 10 h 23 min
